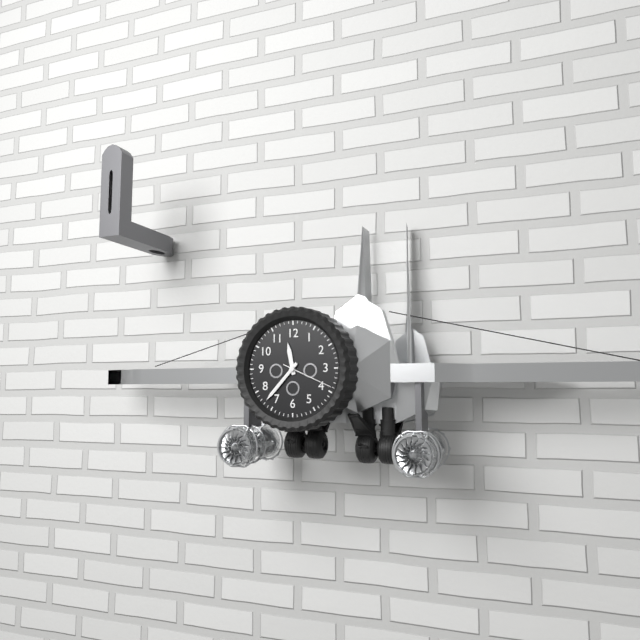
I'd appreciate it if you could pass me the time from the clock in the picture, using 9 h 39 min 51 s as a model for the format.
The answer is 11 h 37 min 19 s
